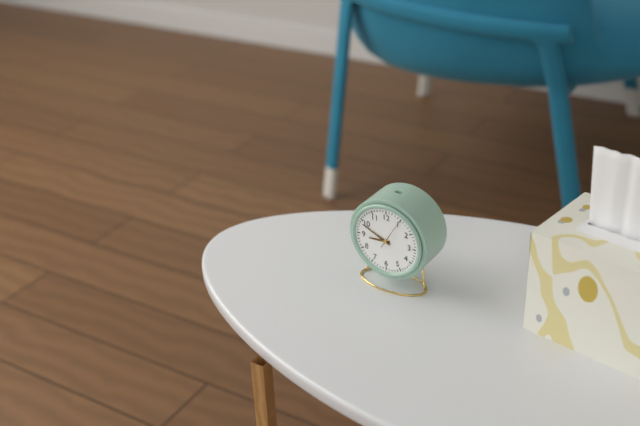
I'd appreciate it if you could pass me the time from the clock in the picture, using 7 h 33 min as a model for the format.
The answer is 8 h 49 min
